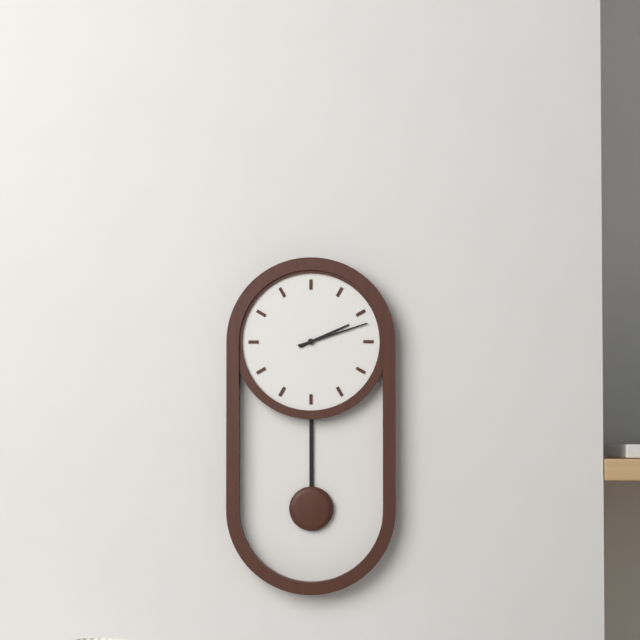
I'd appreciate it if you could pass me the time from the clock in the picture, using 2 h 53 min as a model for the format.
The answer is 2 h 12 min
